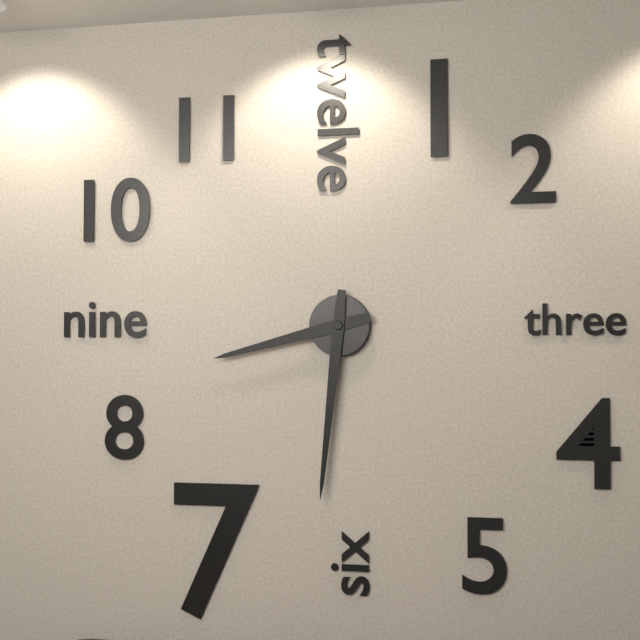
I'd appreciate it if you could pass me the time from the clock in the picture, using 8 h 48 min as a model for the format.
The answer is 8 h 31 min
